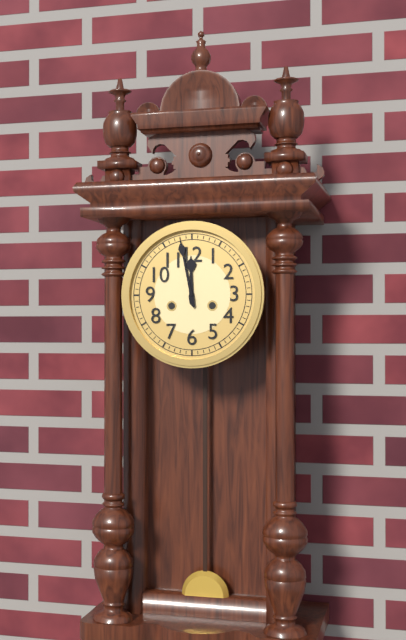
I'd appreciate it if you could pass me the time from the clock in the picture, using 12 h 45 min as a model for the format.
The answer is 11 h 58 min
